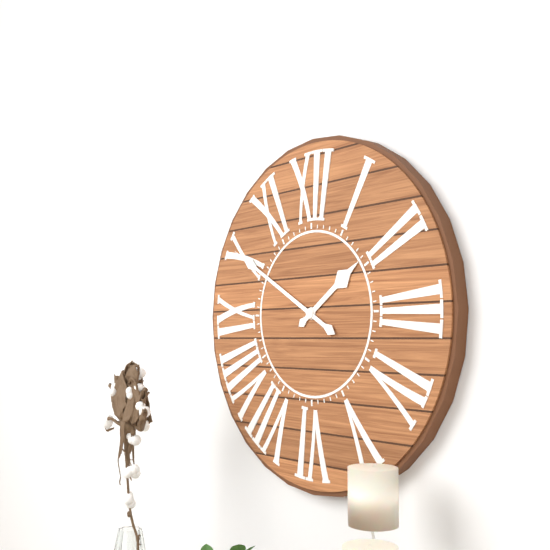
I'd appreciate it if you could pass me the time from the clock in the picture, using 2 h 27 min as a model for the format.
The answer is 1 h 50 min
